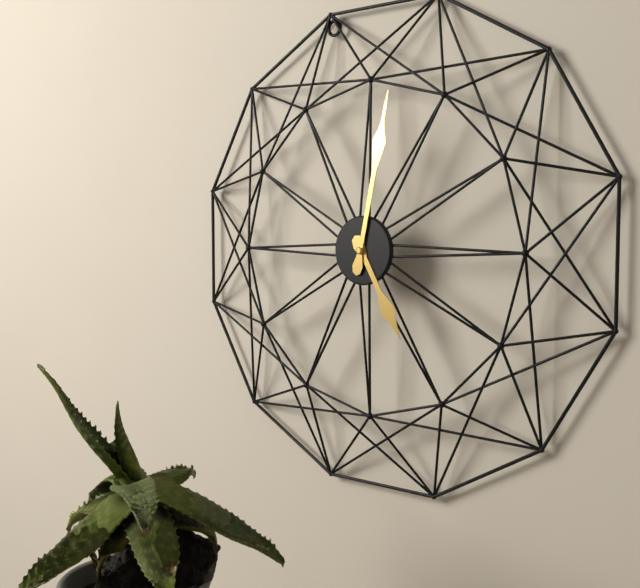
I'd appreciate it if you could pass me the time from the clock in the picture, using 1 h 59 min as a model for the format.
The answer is 5 h 02 min
